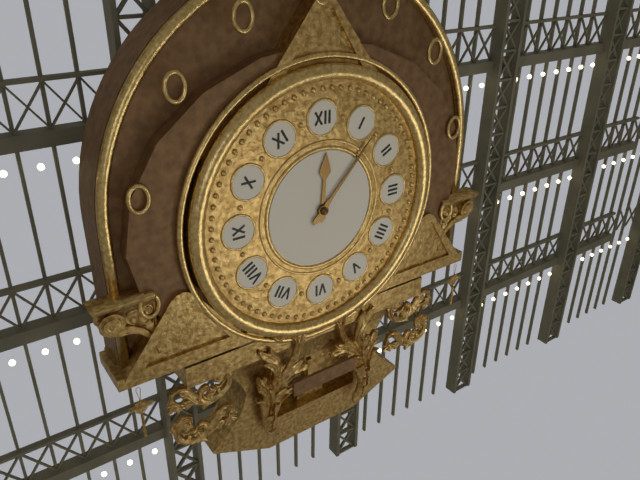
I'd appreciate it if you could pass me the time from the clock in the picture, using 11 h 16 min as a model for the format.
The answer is 12 h 07 min
